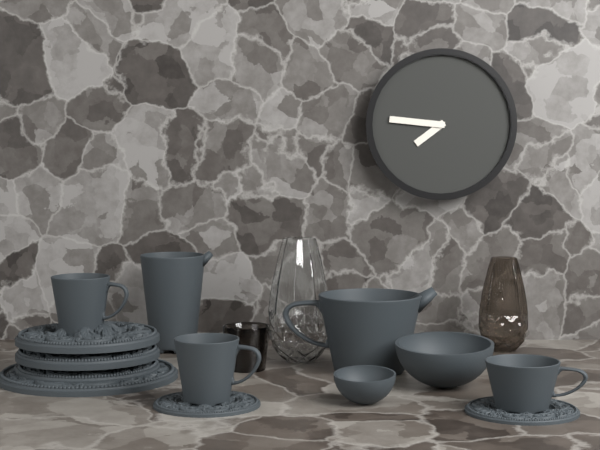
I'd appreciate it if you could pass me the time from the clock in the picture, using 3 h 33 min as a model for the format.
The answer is 7 h 46 min
